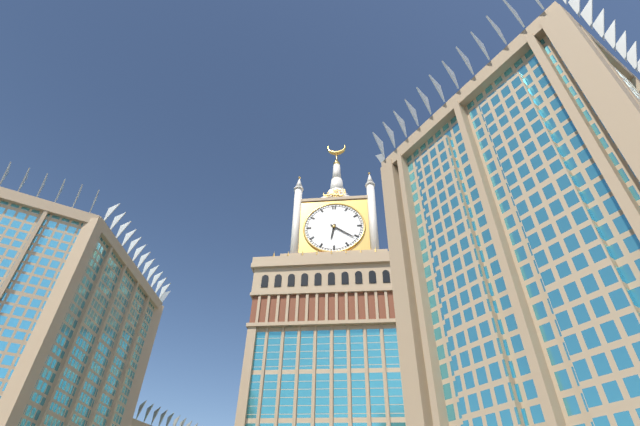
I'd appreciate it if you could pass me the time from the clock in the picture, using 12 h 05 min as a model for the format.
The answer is 6 h 21 min
